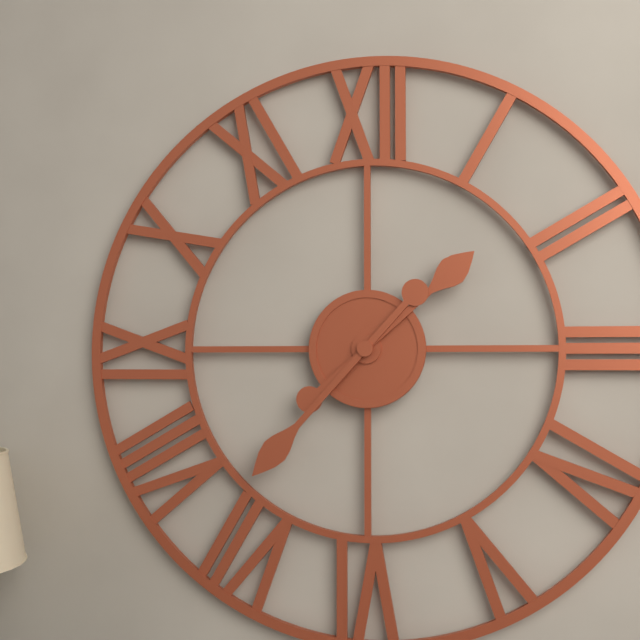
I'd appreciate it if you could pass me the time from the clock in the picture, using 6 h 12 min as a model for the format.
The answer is 1 h 37 min
